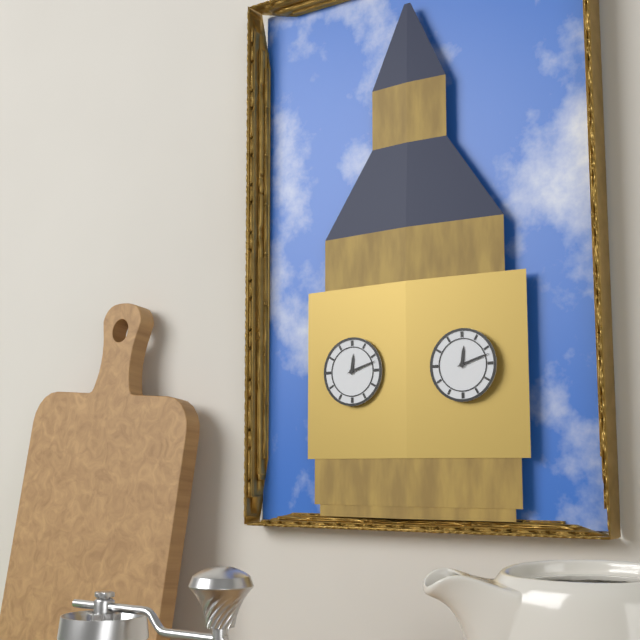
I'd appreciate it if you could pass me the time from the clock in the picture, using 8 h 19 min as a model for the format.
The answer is 12 h 12 min
